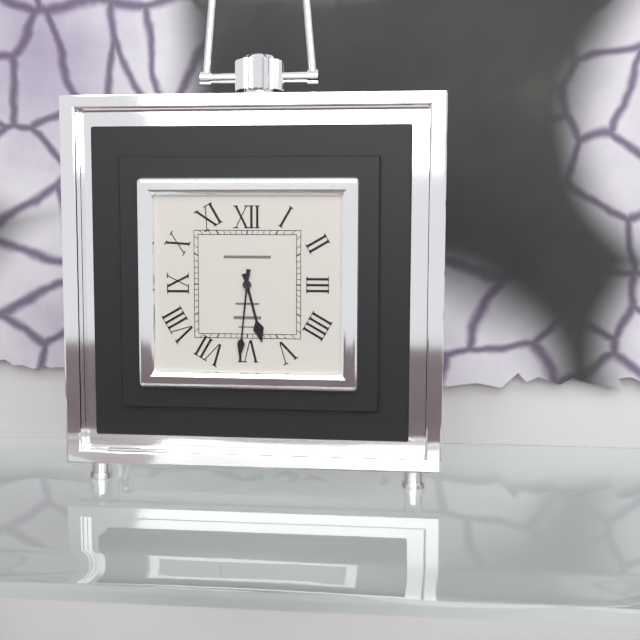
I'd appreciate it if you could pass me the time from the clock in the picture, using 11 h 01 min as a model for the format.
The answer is 5 h 31 min
